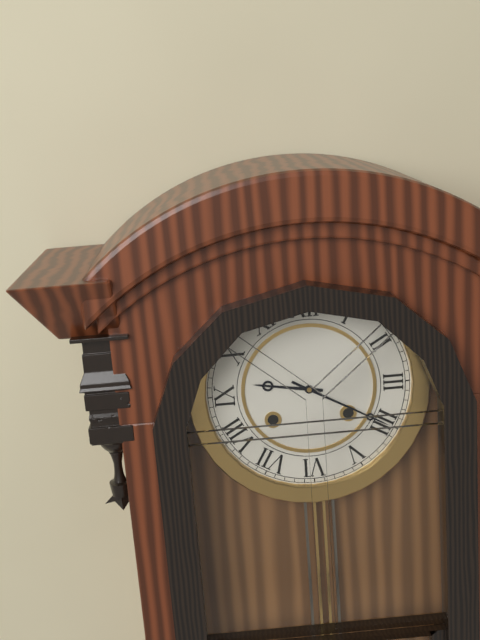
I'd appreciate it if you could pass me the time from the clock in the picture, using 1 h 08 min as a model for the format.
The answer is 9 h 20 min
